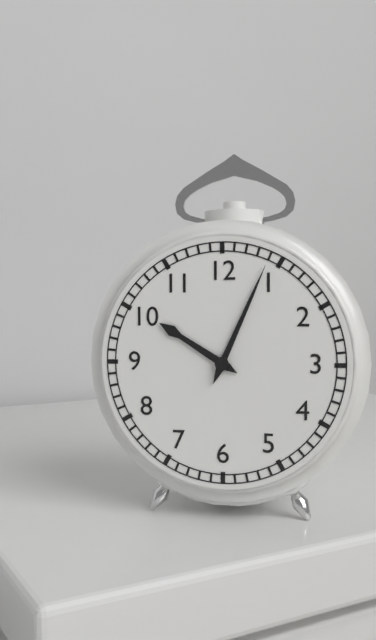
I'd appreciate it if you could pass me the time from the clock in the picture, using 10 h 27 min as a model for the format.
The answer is 10 h 04 min
